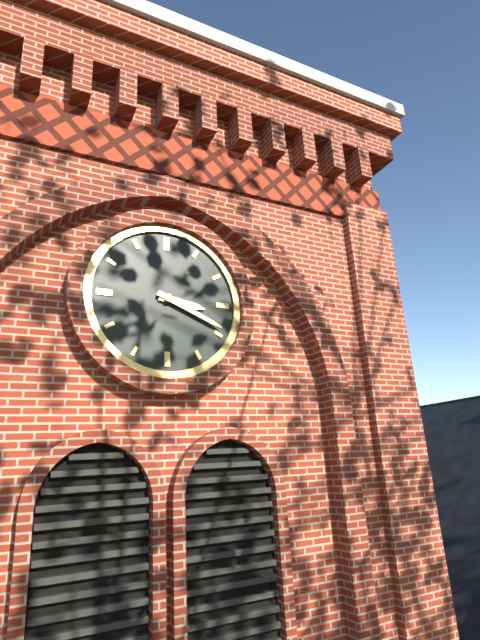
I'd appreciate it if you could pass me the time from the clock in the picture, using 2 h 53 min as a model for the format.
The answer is 3 h 19 min
